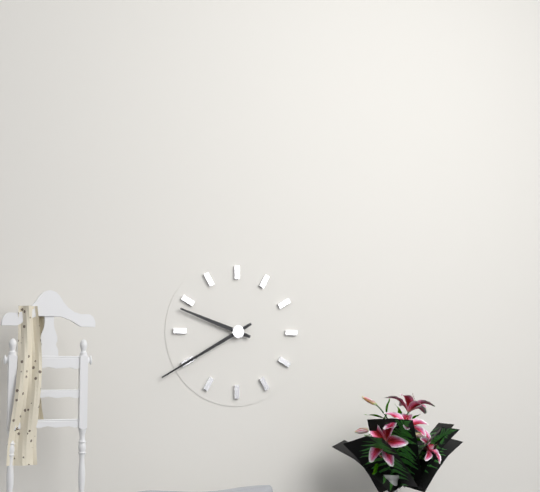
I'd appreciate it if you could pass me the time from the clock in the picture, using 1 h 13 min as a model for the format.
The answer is 9 h 40 min
